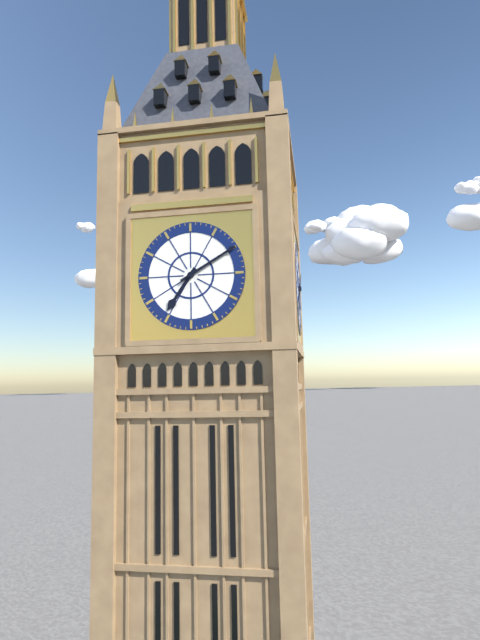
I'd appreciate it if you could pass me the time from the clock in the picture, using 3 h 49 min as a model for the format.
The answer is 7 h 10 min
